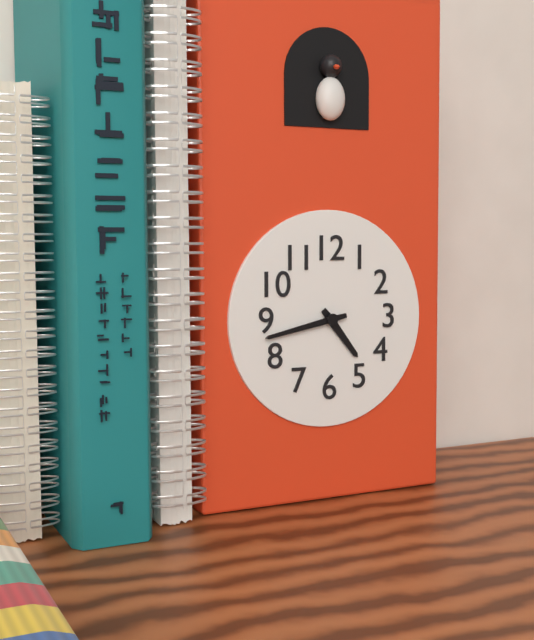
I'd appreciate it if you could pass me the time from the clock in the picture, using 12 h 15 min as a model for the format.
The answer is 4 h 43 min
